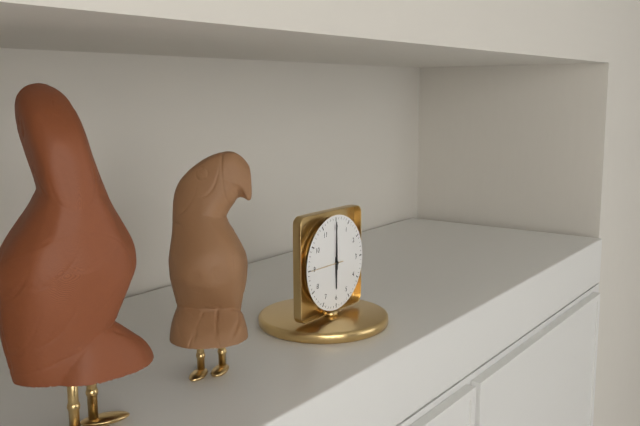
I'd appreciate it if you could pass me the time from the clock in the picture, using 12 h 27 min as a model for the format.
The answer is 6 h 00 min
